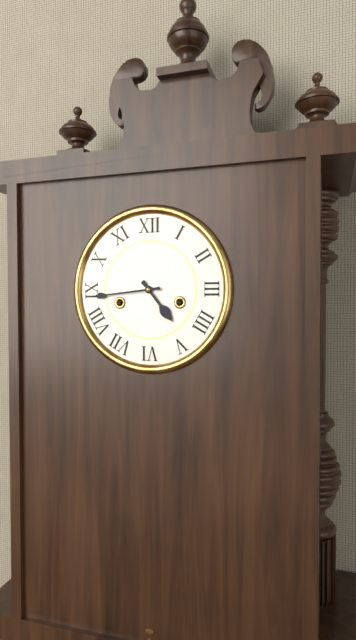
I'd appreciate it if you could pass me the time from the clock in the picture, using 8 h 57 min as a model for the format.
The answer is 4 h 44 min
